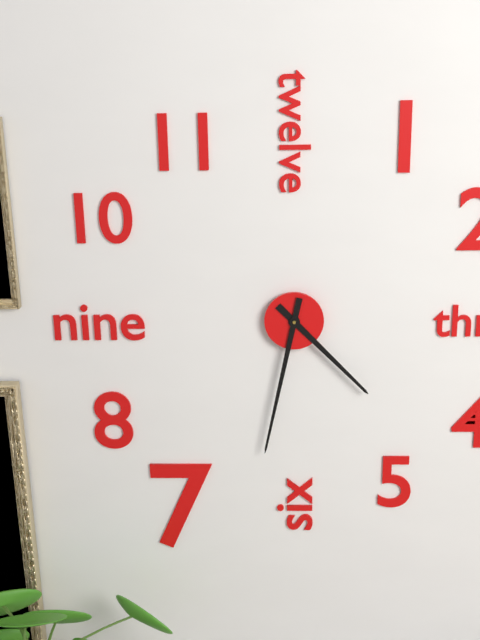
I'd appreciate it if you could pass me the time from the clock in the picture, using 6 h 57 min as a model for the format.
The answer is 4 h 32 min
